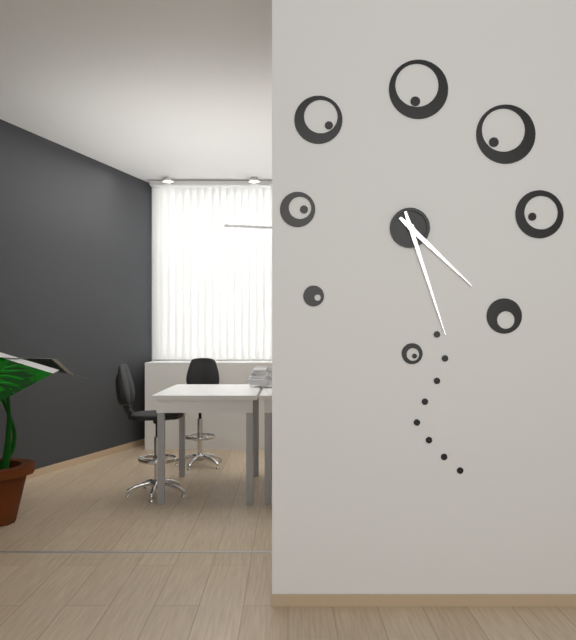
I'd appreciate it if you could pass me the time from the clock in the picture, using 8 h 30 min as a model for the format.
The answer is 4 h 27 min
